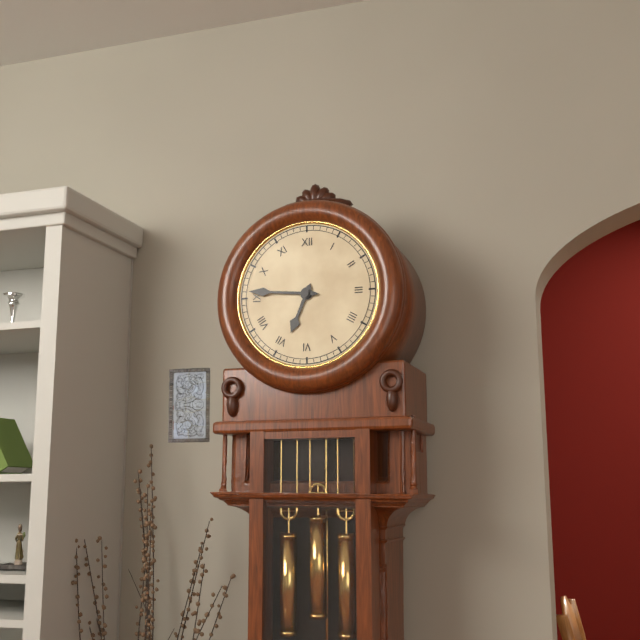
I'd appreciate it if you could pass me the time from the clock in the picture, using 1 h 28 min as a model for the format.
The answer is 6 h 46 min
